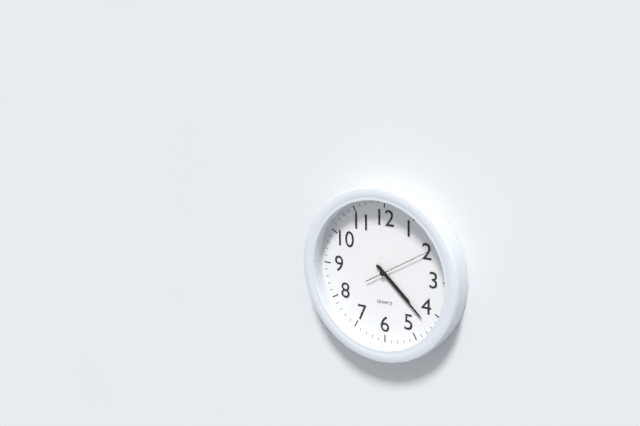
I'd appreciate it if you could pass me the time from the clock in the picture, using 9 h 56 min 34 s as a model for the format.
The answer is 4 h 22 min 10 s
